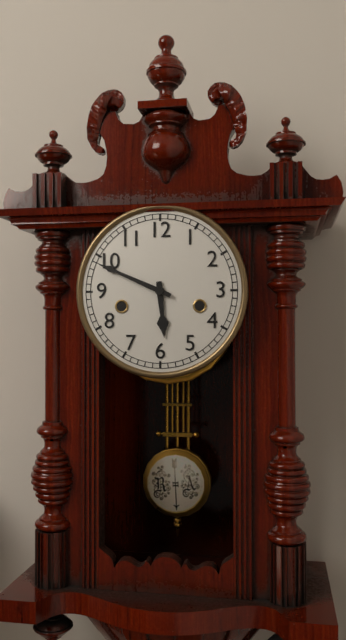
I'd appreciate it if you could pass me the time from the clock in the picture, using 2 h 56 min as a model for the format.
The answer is 5 h 49 min
